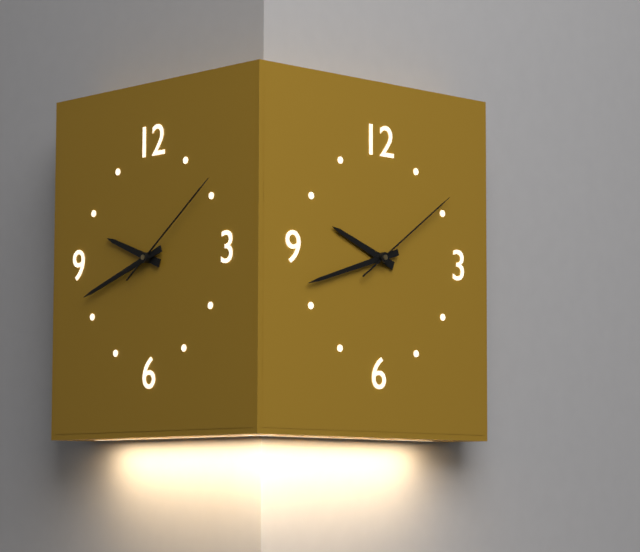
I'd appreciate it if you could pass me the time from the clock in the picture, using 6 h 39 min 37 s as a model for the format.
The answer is 9 h 42 min 09 s
